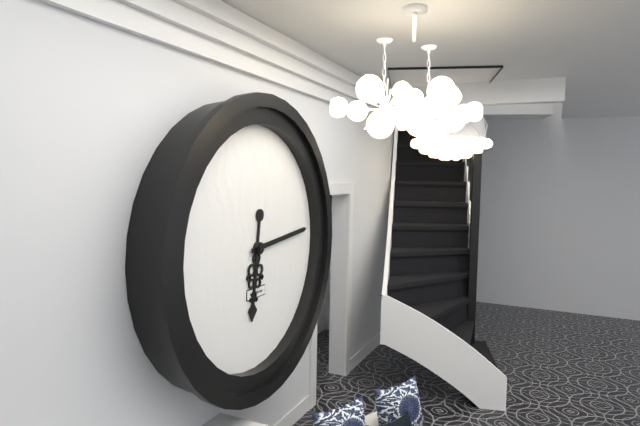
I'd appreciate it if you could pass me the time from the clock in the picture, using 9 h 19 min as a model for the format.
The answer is 6 h 14 min
